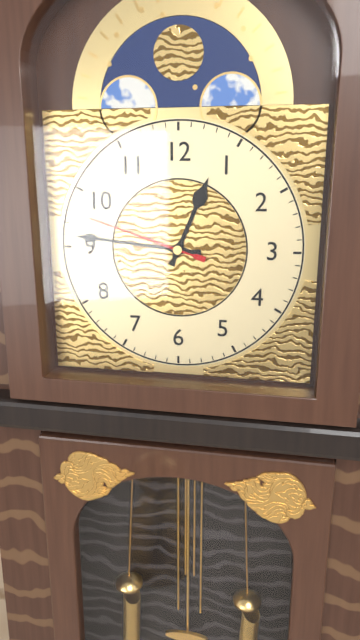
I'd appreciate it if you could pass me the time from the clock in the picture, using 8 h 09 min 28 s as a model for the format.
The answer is 12 h 46 min 48 s
